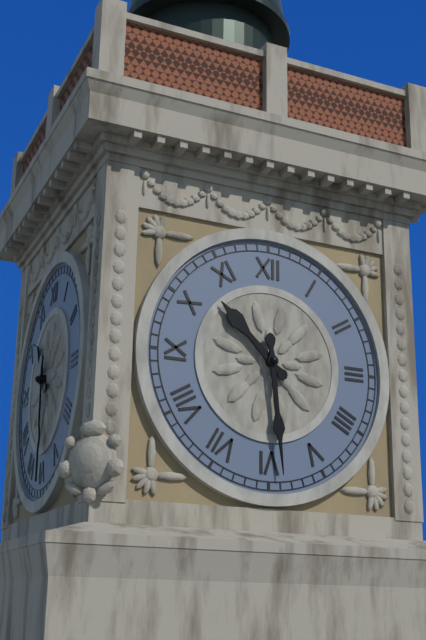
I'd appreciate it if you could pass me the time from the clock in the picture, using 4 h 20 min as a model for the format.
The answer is 10 h 29 min
